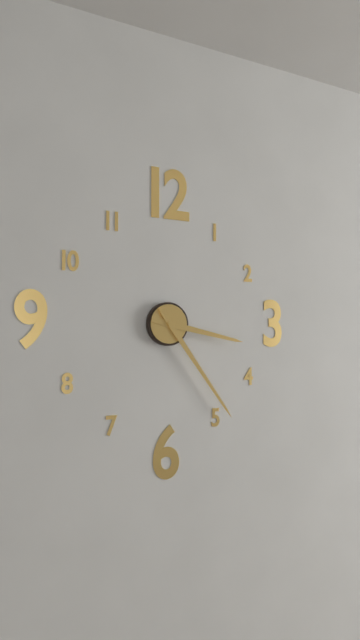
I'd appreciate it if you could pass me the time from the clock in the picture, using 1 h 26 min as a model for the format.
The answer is 3 h 24 min
